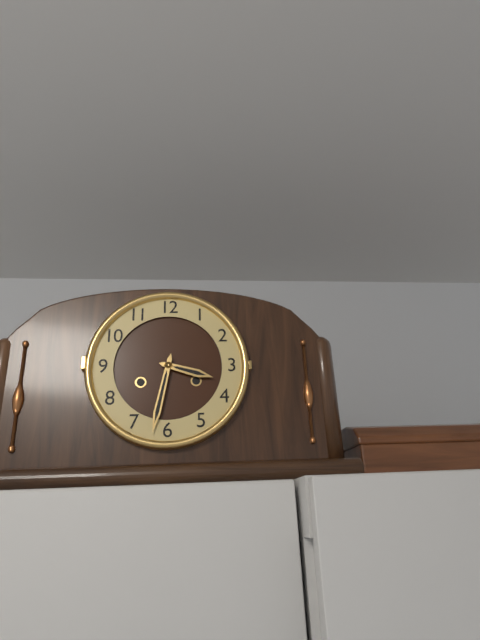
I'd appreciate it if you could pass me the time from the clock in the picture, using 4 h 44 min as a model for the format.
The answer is 3 h 32 min
